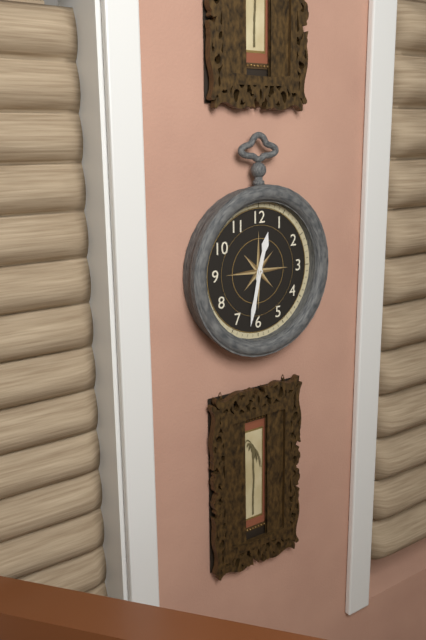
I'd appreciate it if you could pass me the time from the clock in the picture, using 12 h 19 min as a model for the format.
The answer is 12 h 32 min
